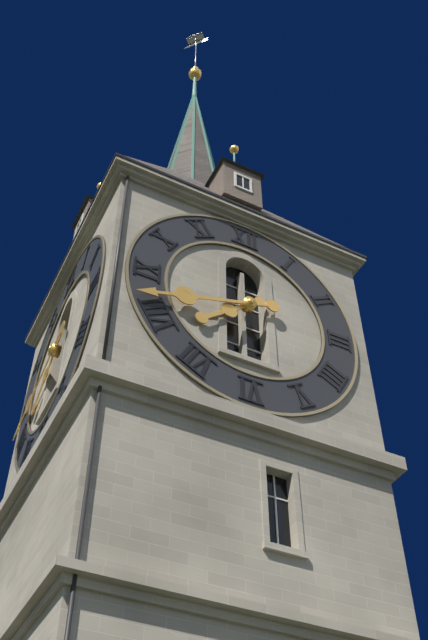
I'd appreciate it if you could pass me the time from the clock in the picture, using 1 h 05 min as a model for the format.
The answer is 7 h 42 min
